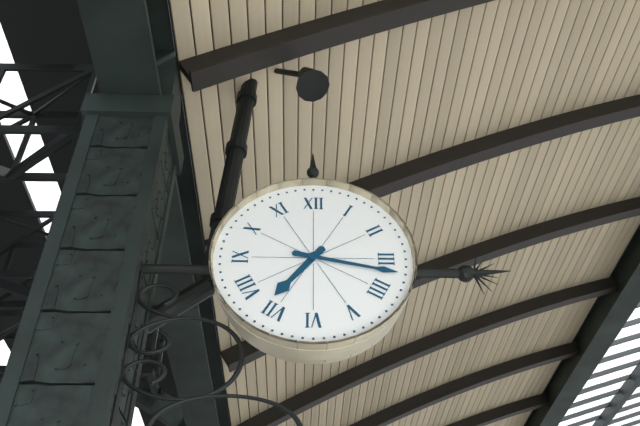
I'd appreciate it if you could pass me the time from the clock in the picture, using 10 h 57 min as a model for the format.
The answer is 7 h 17 min
